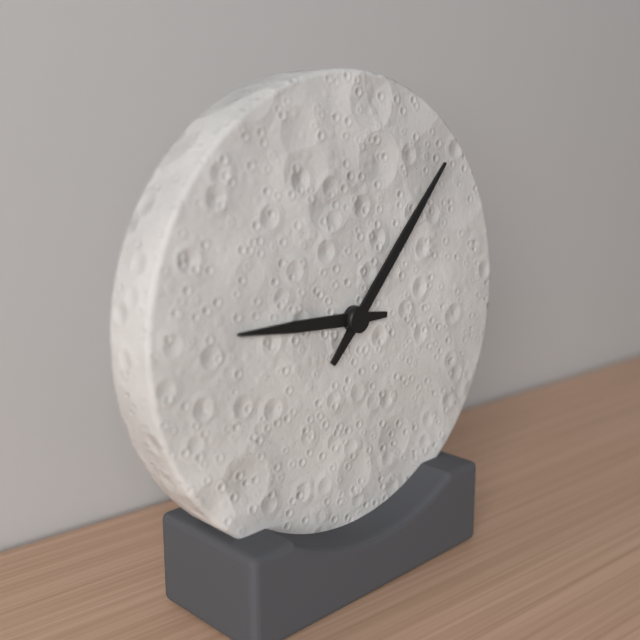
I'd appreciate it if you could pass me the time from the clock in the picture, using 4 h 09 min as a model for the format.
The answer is 9 h 07 min
